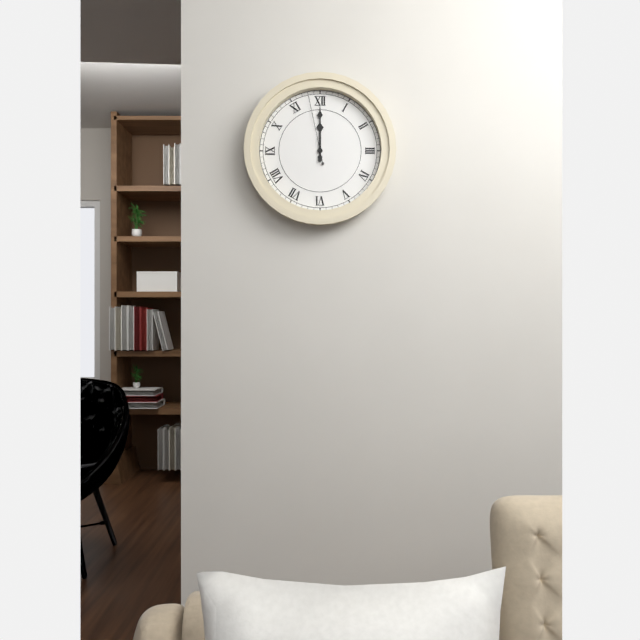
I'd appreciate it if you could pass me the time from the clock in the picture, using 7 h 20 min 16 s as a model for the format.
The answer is 12 h 00 min 58 s
